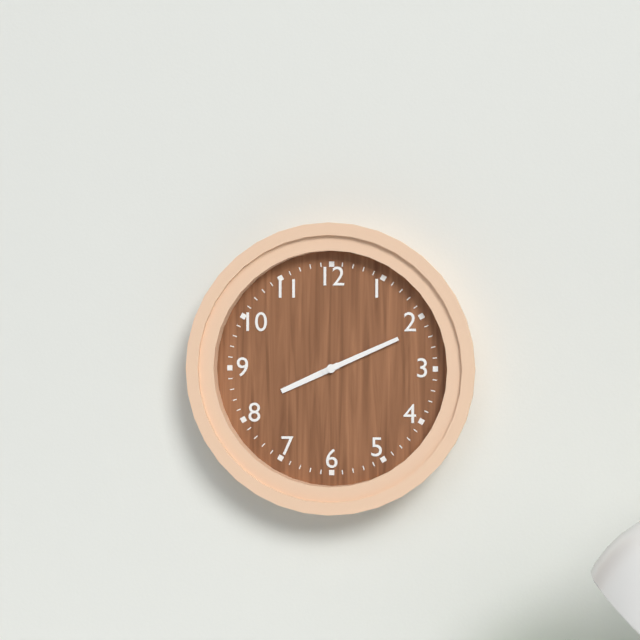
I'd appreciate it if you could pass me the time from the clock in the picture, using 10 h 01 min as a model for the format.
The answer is 8 h 11 min
